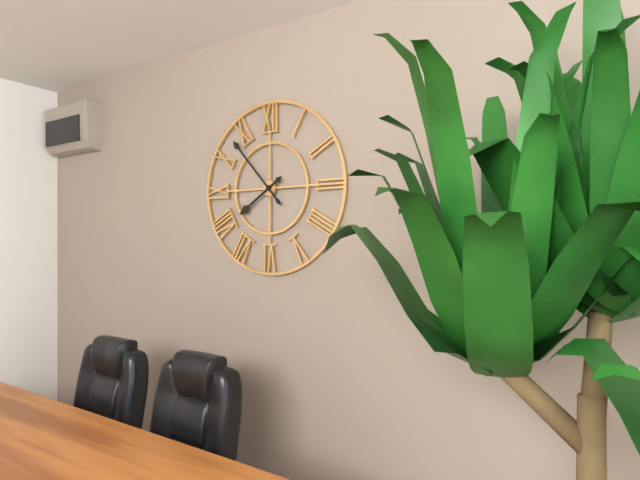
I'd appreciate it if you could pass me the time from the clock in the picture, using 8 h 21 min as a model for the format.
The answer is 7 h 53 min
